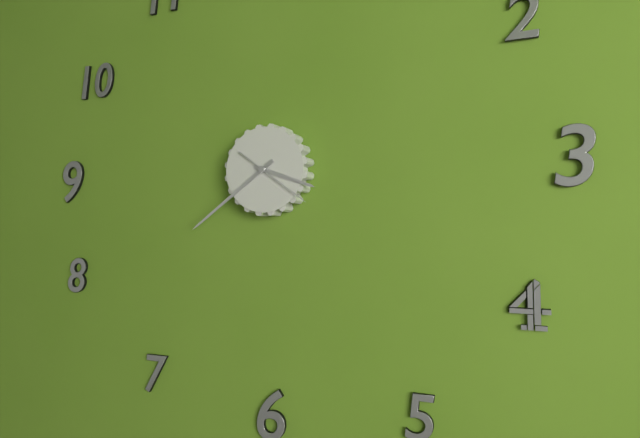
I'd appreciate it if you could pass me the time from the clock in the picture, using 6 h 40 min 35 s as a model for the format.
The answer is 3 h 39 min 21 s
